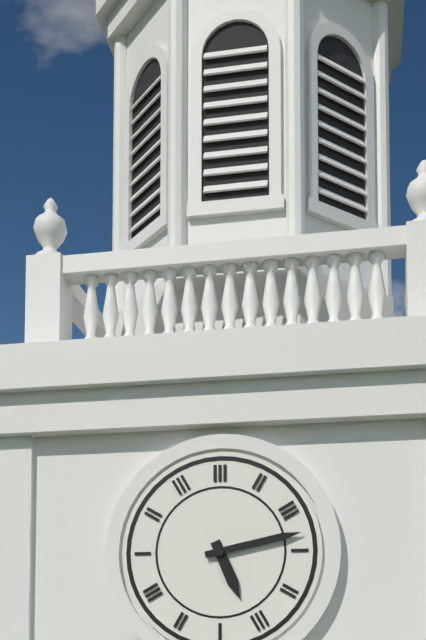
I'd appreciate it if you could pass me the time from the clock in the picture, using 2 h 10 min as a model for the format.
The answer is 5 h 13 min
